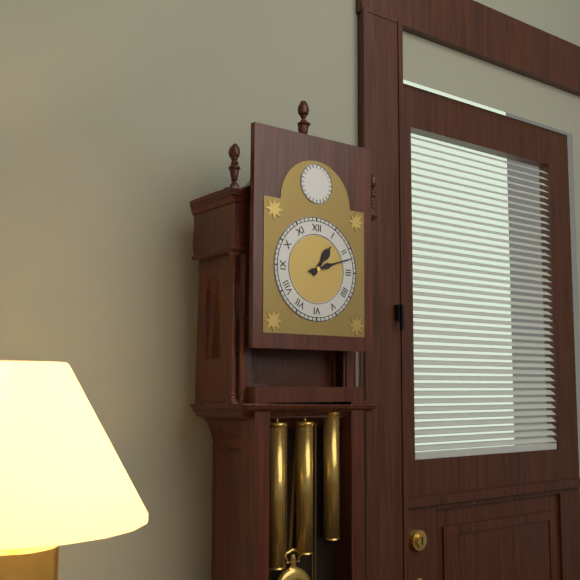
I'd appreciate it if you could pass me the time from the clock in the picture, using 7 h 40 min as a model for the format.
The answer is 1 h 12 min
